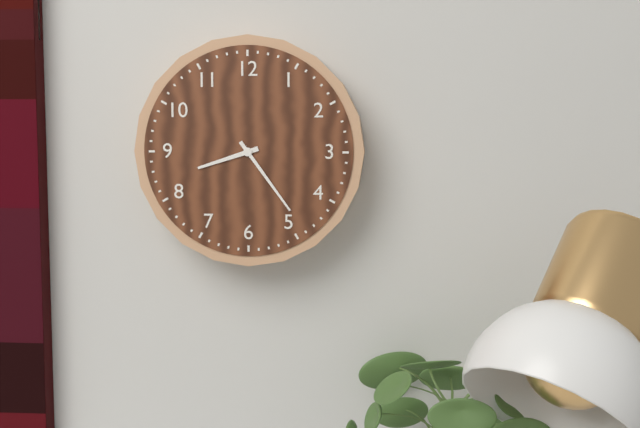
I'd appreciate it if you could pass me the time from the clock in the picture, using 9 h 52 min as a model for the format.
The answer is 8 h 24 min
